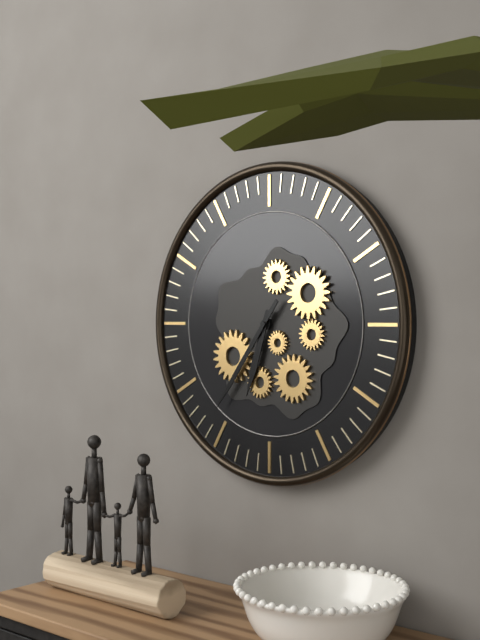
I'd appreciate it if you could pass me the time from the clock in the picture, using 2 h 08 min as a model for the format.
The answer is 6 h 36 min
